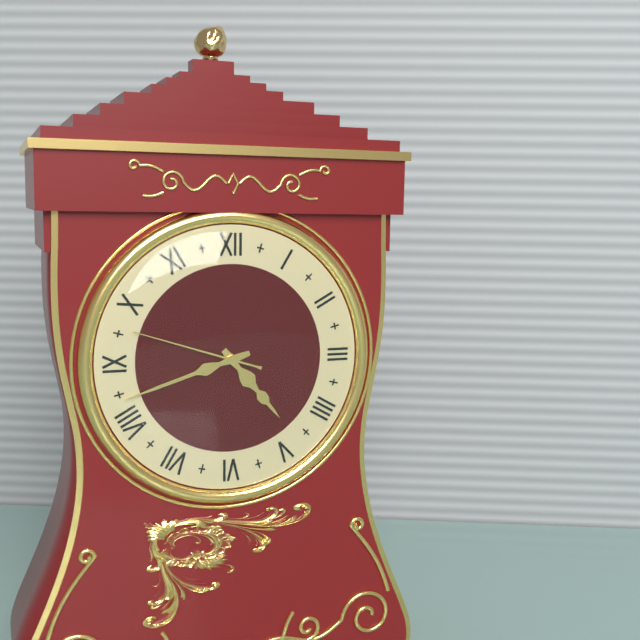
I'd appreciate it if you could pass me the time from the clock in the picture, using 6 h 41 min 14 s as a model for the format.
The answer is 4 h 42 min 48 s
